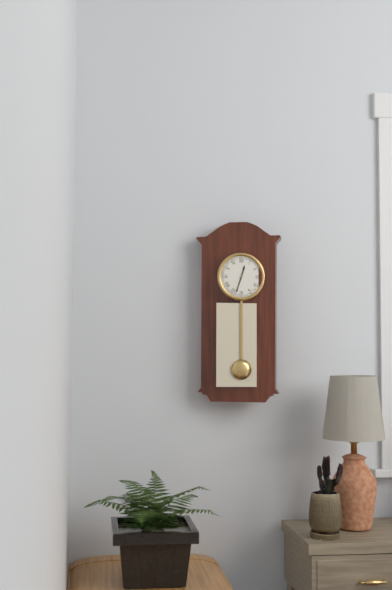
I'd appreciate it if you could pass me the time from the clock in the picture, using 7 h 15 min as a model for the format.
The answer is 12 h 33 min
